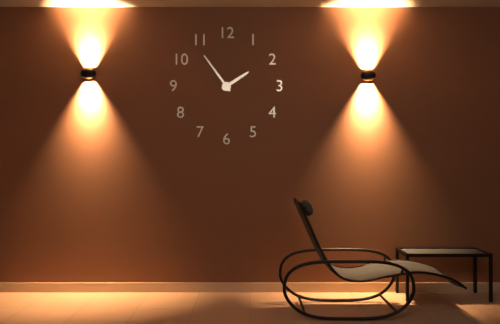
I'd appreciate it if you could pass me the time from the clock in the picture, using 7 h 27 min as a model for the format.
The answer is 1 h 54 min
